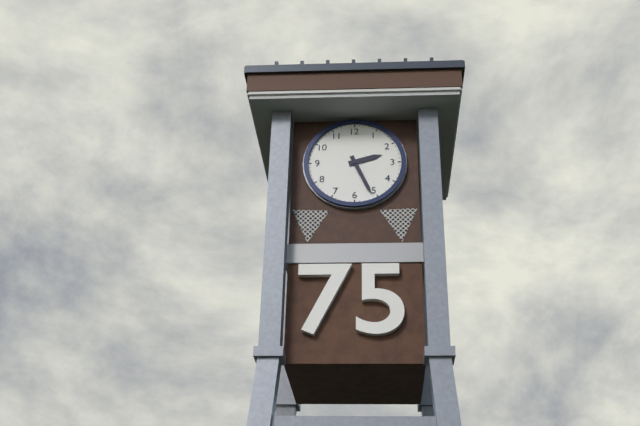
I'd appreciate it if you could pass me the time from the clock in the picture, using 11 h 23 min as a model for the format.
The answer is 2 h 26 min
